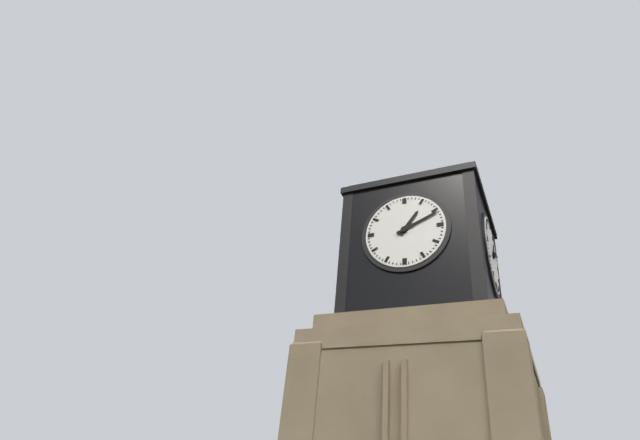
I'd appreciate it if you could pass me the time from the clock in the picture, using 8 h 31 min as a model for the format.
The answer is 1 h 11 min
